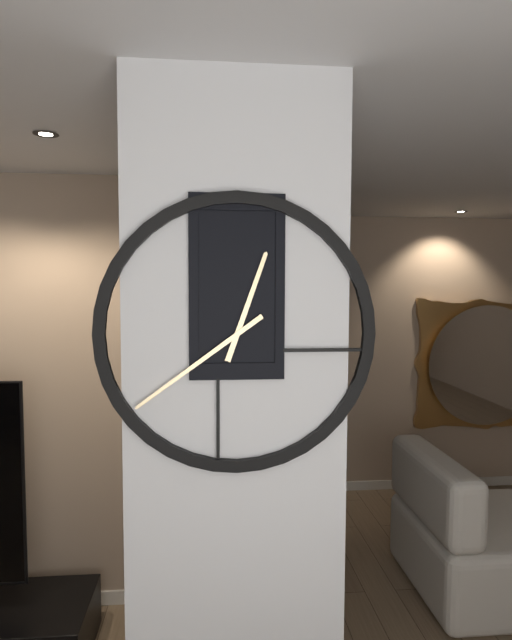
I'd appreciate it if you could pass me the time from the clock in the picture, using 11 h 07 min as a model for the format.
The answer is 12 h 39 min
